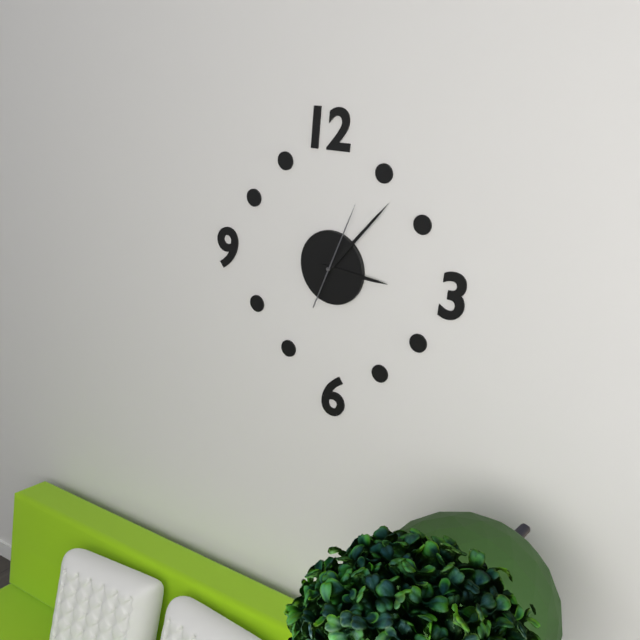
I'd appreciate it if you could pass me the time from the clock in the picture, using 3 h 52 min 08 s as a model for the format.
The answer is 3 h 07 min 04 s
